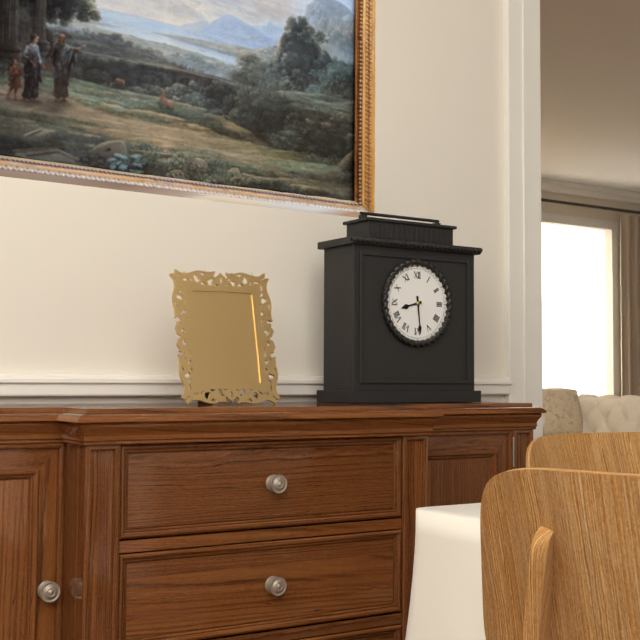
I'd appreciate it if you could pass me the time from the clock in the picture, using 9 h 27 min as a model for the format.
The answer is 8 h 29 min
